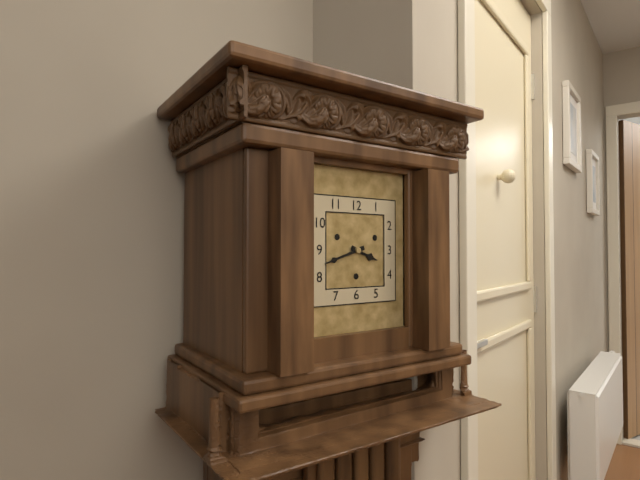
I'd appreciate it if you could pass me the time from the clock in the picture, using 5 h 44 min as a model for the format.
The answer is 3 h 42 min
